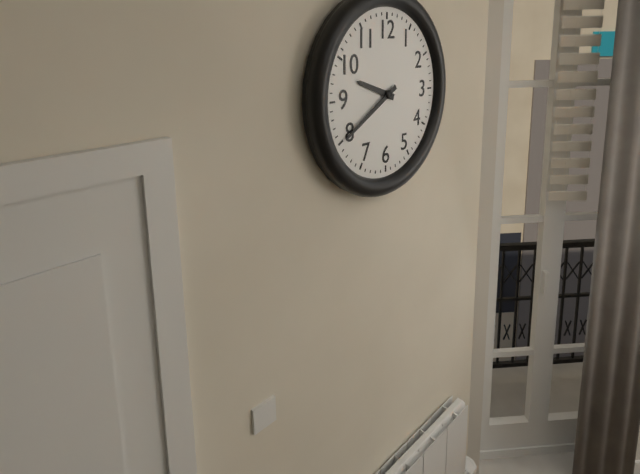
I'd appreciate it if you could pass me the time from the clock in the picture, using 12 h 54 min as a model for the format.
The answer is 9 h 40 min
